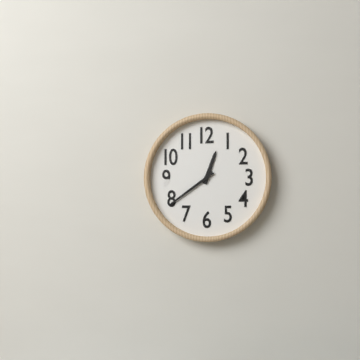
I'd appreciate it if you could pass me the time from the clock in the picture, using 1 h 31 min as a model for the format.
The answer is 12 h 39 min
